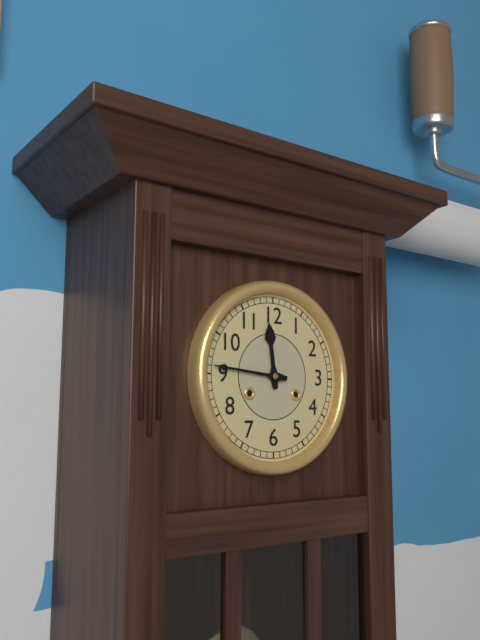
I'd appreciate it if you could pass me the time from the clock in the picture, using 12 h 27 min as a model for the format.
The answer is 11 h 46 min
